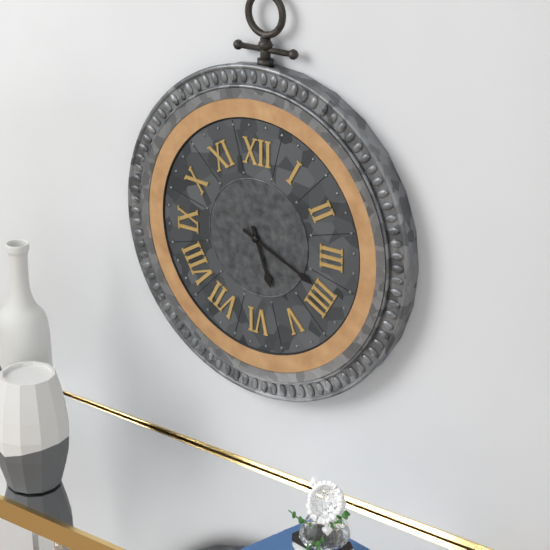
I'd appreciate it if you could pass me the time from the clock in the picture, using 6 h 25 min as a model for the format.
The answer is 5 h 19 min
